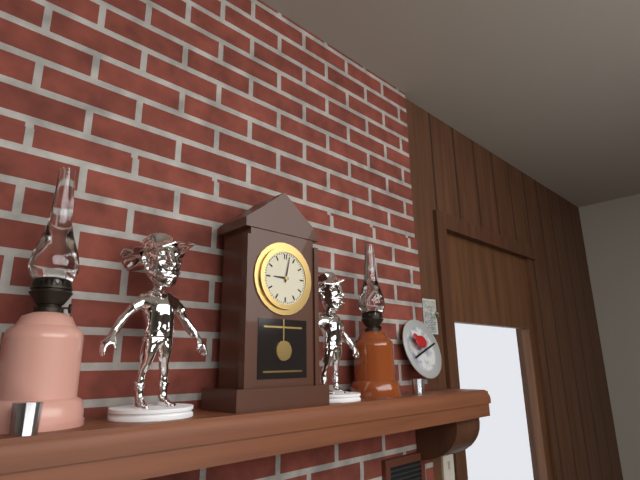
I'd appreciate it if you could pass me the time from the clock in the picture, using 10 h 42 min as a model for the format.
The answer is 9 h 02 min
